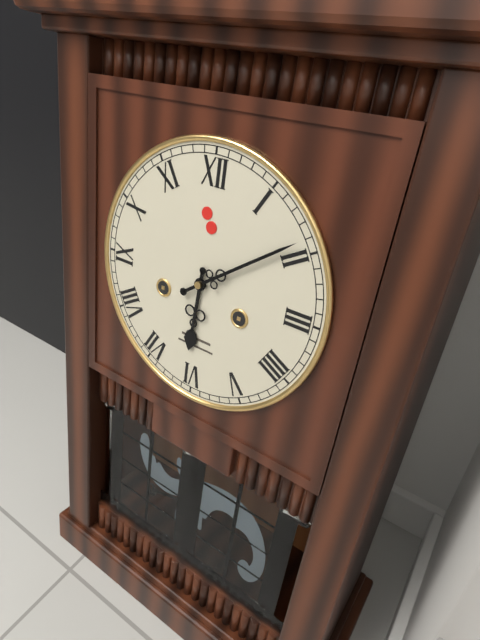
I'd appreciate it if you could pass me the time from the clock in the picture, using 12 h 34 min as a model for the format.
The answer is 6 h 09 min
